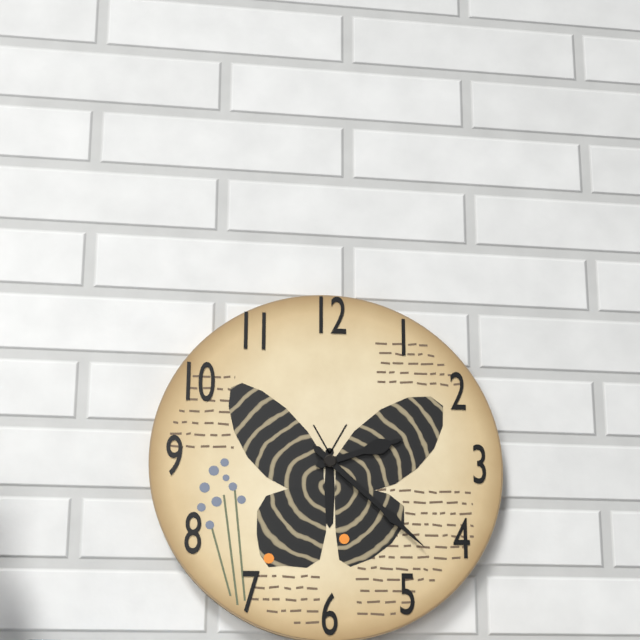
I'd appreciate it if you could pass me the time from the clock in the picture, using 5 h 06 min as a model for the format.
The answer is 2 h 22 min
